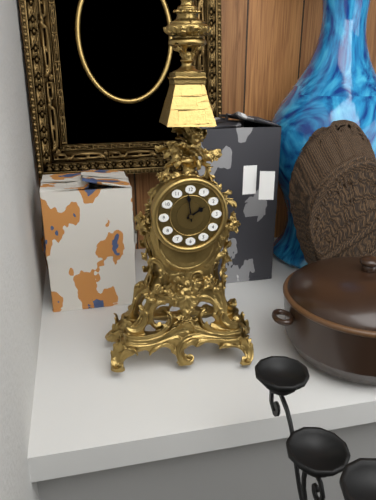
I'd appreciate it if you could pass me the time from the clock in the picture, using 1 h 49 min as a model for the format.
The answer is 1 h 59 min
